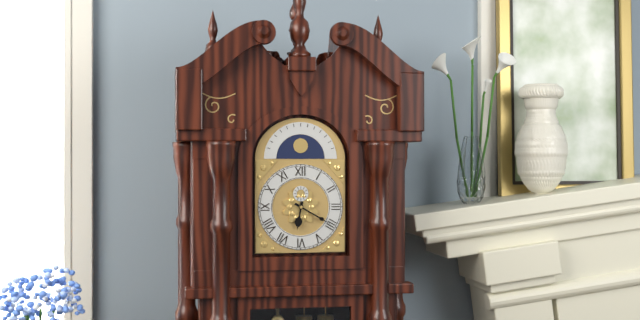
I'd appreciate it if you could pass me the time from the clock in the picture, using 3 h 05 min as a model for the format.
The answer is 6 h 20 min
